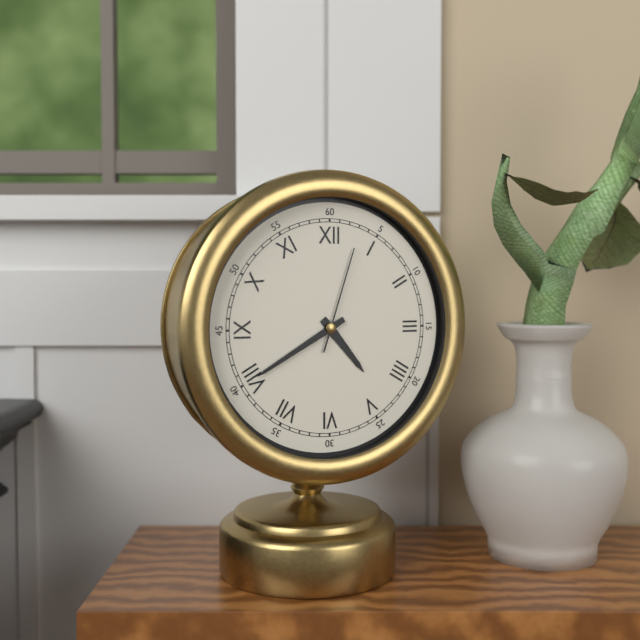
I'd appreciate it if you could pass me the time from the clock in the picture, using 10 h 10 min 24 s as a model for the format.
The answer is 4 h 40 min 03 s
